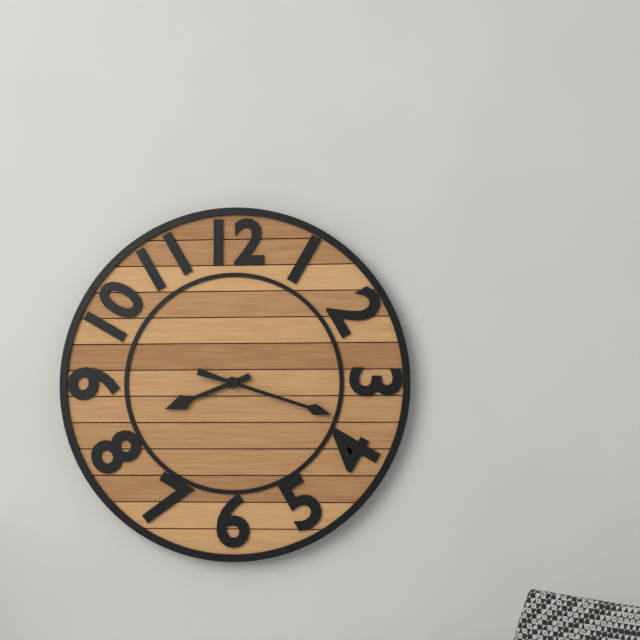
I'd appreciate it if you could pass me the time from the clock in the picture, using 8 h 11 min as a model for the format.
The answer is 8 h 18 min
